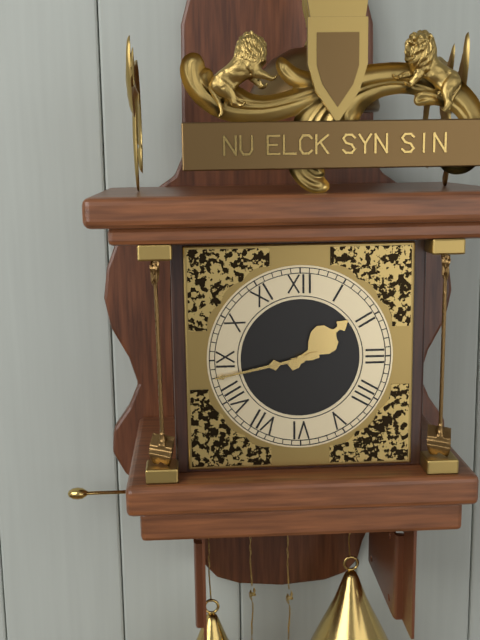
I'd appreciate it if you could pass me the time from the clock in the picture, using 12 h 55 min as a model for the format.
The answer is 1 h 43 min
